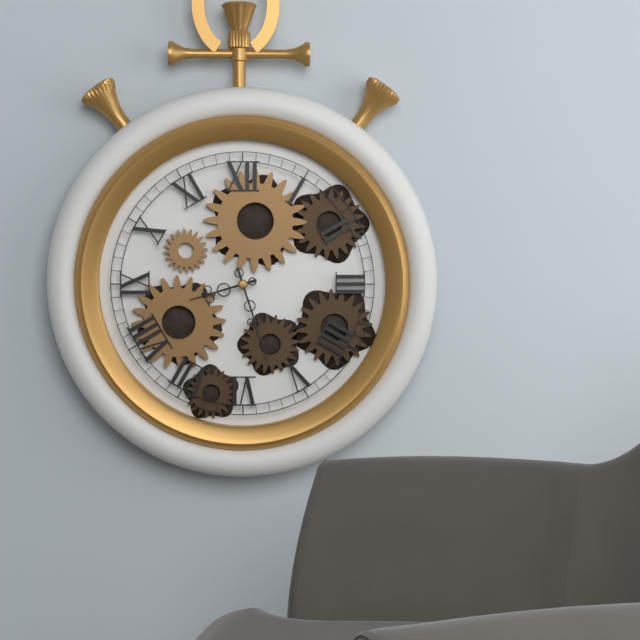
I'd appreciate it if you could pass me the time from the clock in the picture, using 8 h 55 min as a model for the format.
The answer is 8 h 27 min
